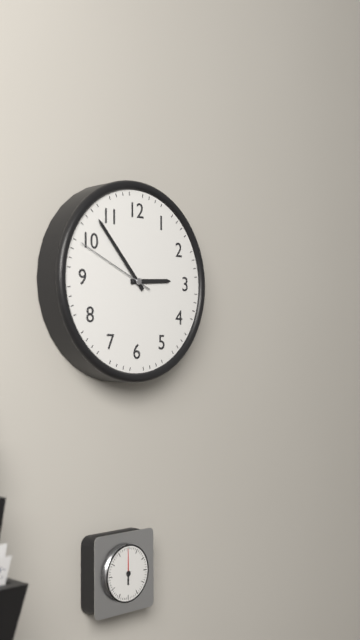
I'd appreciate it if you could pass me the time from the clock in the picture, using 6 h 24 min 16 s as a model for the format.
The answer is 2 h 53 min 49 s
